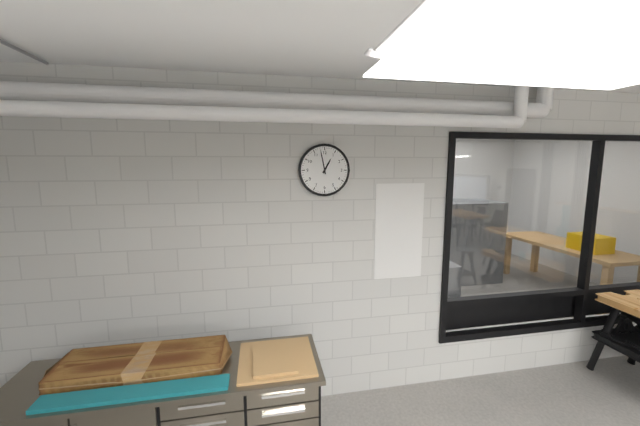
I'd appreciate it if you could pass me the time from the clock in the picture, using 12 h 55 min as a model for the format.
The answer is 12 h 58 min
